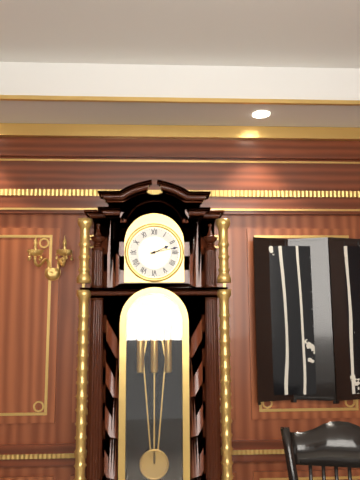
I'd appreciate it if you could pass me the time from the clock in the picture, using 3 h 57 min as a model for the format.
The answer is 2 h 13 min
